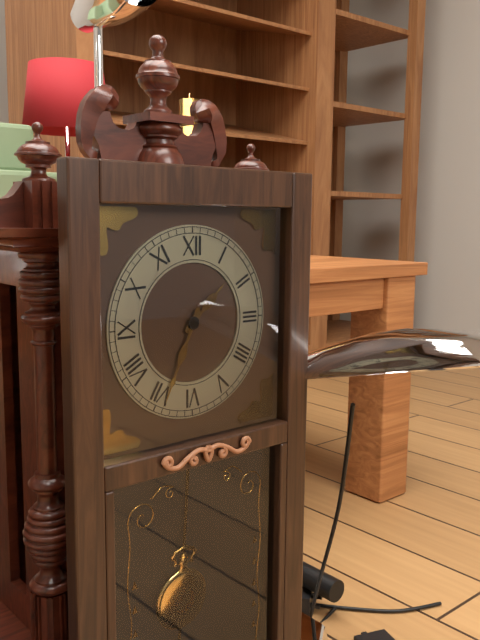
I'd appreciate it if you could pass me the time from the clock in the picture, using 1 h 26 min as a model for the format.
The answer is 1 h 34 min
